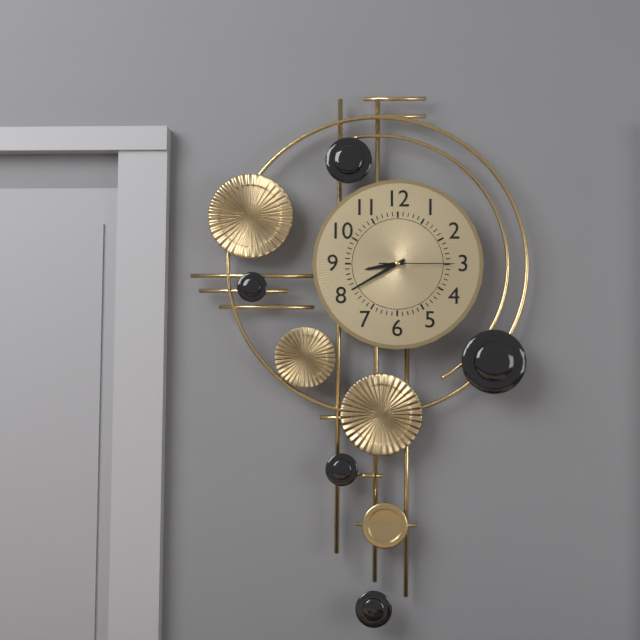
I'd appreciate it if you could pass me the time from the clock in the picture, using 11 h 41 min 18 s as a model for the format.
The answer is 8 h 40 min 15 s
